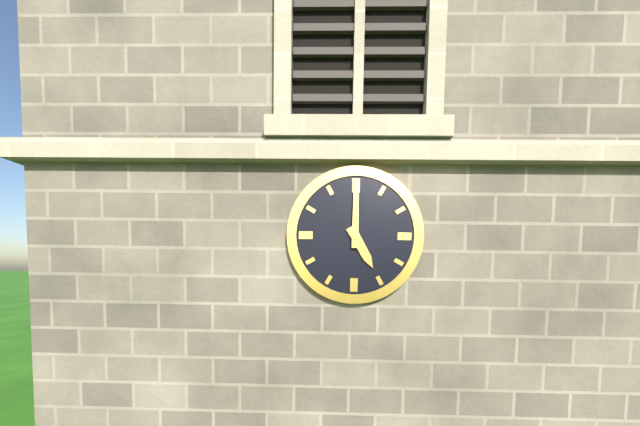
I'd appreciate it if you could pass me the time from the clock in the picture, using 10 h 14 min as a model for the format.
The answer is 5 h 00 min
